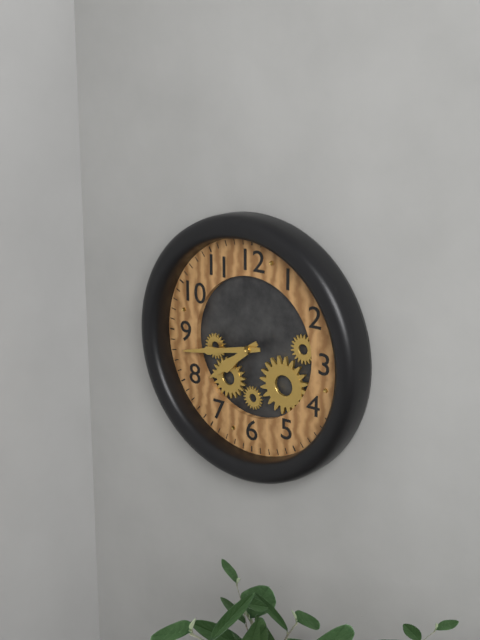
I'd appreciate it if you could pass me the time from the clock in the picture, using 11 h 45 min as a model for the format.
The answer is 7 h 43 min
